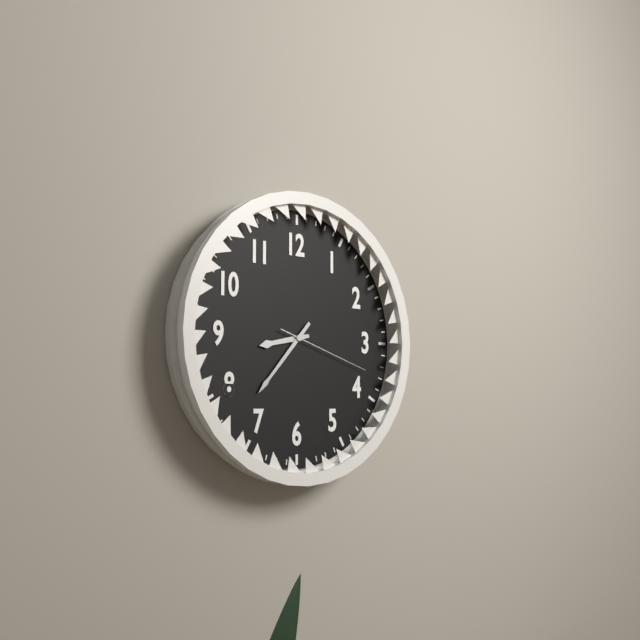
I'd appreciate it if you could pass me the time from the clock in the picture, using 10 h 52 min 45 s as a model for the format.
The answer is 8 h 37 min 18 s
